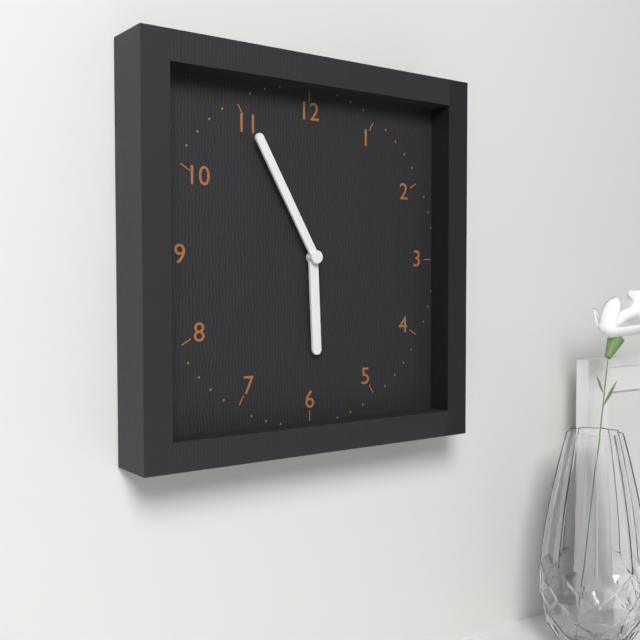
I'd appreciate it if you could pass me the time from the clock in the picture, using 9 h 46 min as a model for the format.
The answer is 5 h 55 min
